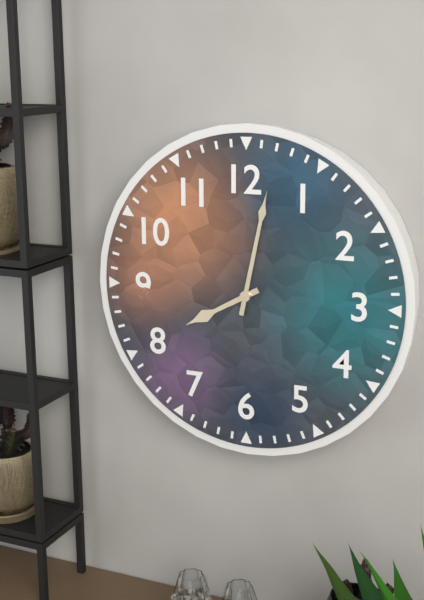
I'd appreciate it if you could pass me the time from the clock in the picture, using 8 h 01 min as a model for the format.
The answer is 8 h 02 min
